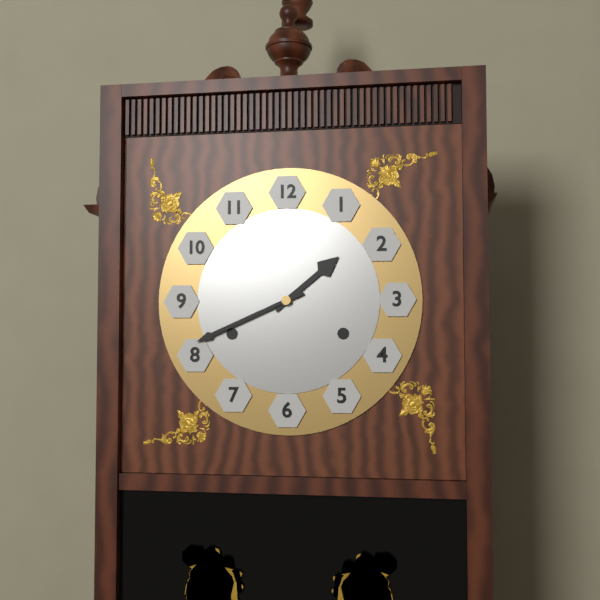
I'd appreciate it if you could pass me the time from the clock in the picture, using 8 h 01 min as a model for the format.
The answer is 1 h 41 min
